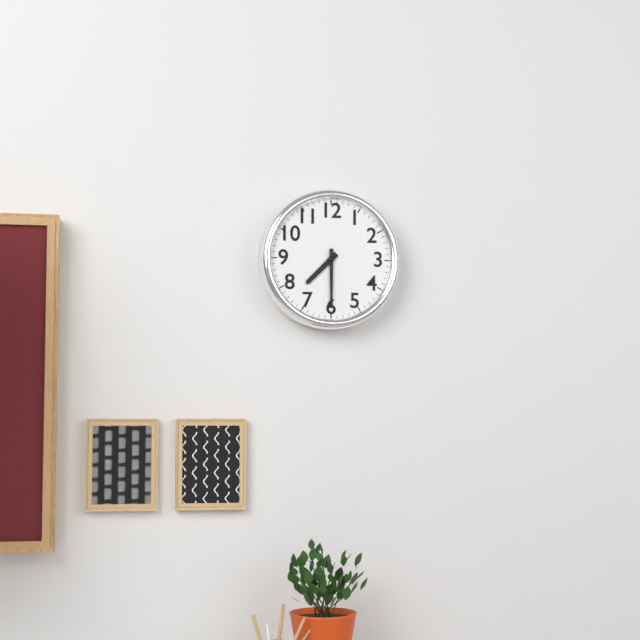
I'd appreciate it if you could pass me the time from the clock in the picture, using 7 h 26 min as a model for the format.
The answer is 7 h 30 min
